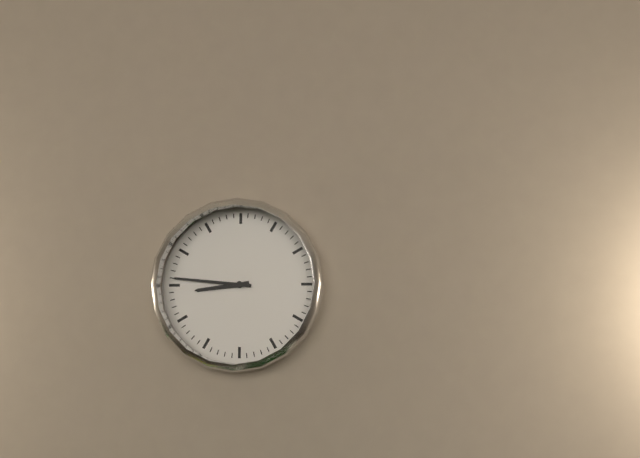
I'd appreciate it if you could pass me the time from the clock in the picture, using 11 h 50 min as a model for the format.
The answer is 8 h 46 min
